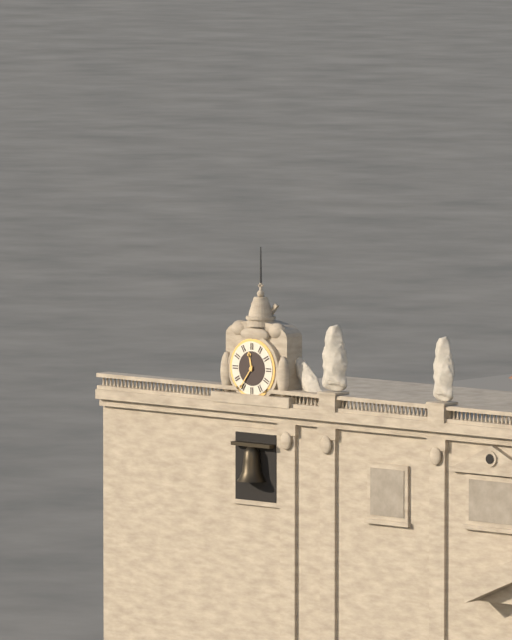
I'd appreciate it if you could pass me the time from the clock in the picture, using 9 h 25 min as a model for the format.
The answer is 11 h 36 min
